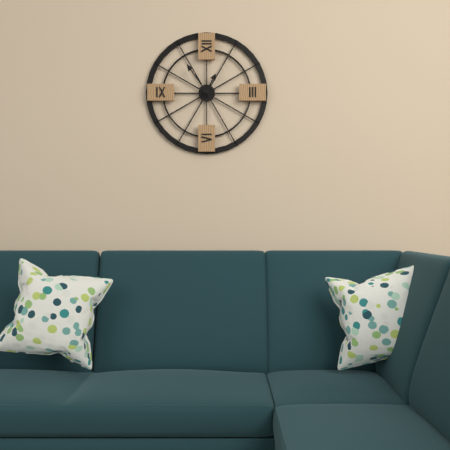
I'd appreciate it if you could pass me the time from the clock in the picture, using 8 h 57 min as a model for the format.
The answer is 12 h 54 min
